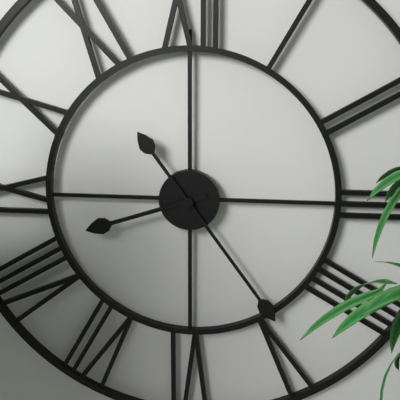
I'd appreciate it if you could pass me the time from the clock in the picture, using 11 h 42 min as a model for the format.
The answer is 8 h 24 min
